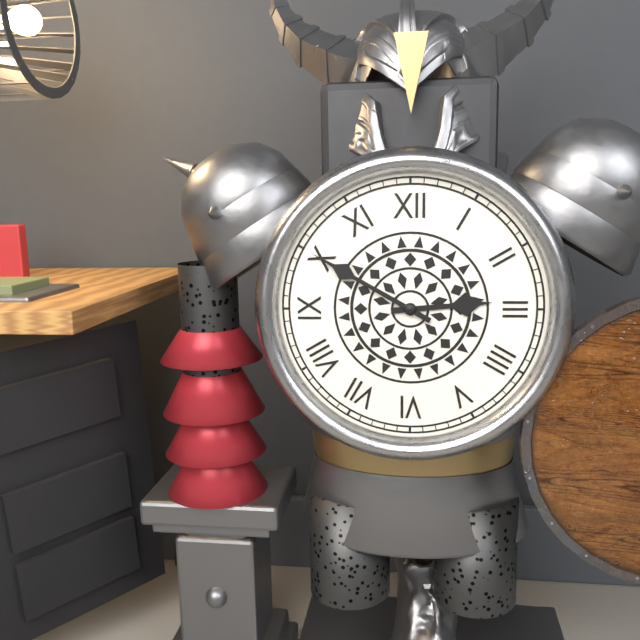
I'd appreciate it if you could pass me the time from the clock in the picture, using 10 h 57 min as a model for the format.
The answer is 2 h 50 min
